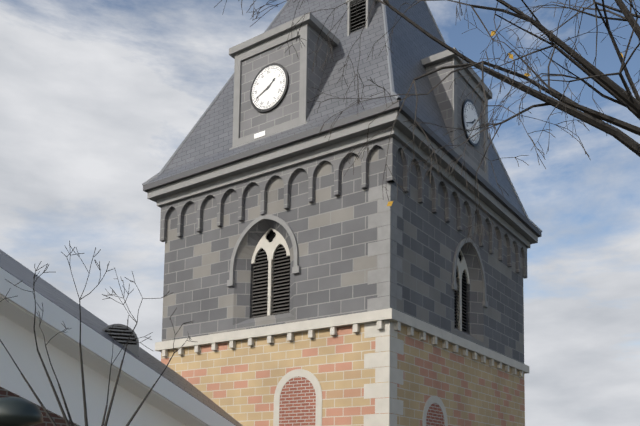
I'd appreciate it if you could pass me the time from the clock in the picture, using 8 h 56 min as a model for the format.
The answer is 1 h 41 min
